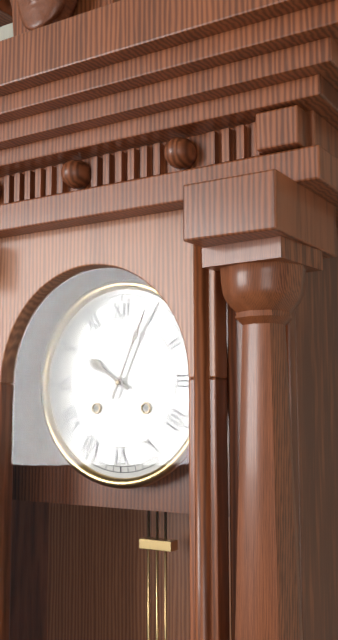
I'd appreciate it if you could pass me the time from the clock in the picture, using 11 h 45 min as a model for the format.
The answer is 10 h 04 min
